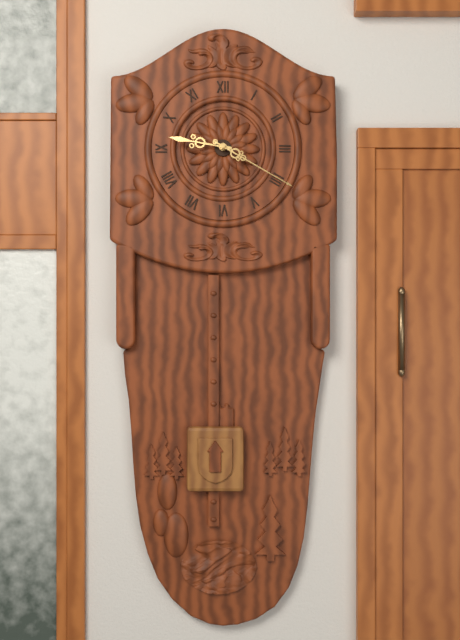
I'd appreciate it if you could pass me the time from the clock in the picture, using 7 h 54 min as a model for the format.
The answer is 9 h 20 min
